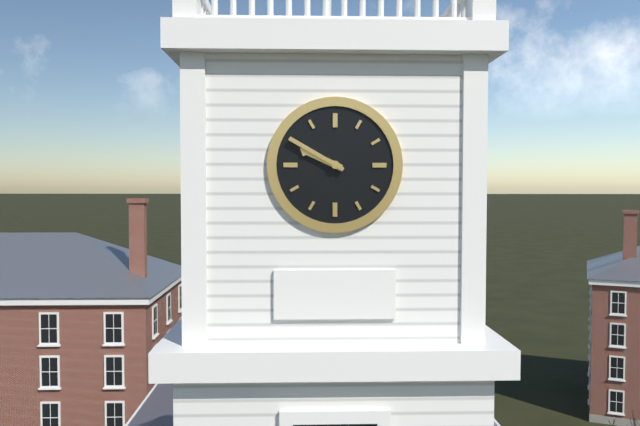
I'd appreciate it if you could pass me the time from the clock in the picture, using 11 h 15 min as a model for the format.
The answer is 9 h 50 min
